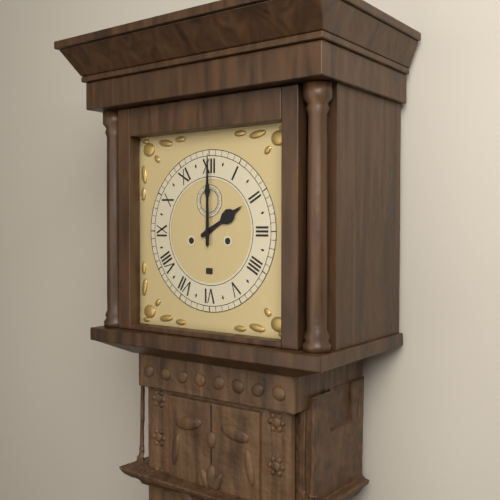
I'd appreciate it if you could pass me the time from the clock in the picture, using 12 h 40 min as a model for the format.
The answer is 2 h 00 min
